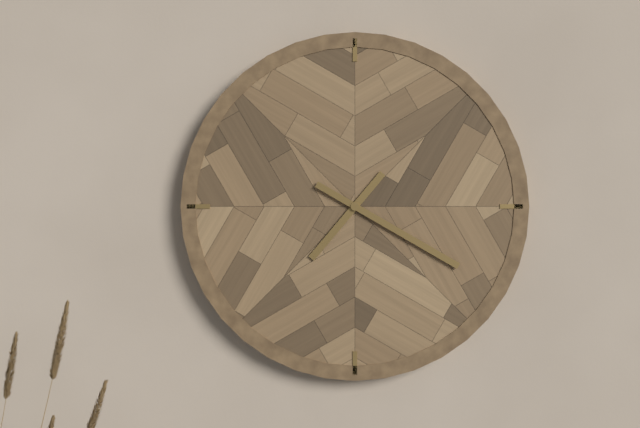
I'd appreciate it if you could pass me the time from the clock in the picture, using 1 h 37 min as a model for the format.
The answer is 7 h 20 min
